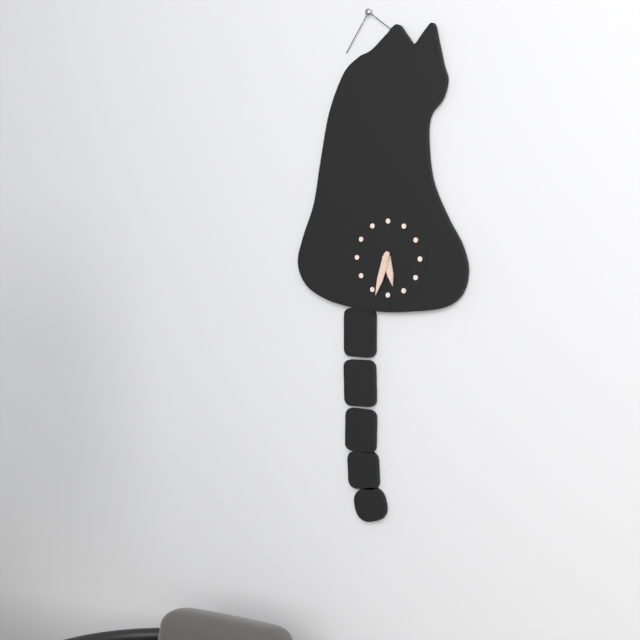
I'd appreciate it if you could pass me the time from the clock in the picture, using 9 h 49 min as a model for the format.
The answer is 5 h 33 min
